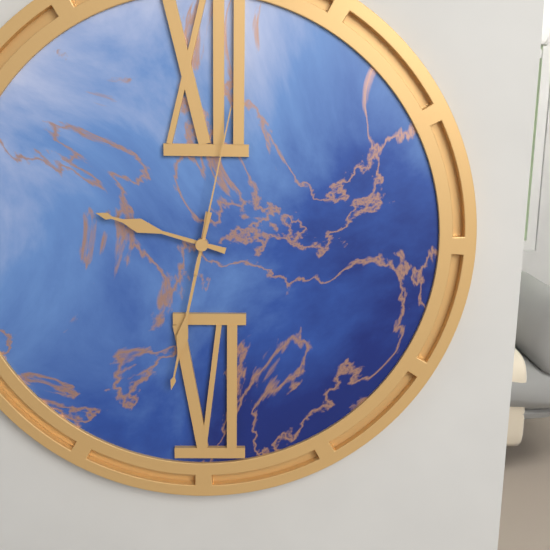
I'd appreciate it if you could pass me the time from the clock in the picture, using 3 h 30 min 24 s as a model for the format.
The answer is 9 h 32 min 02 s
